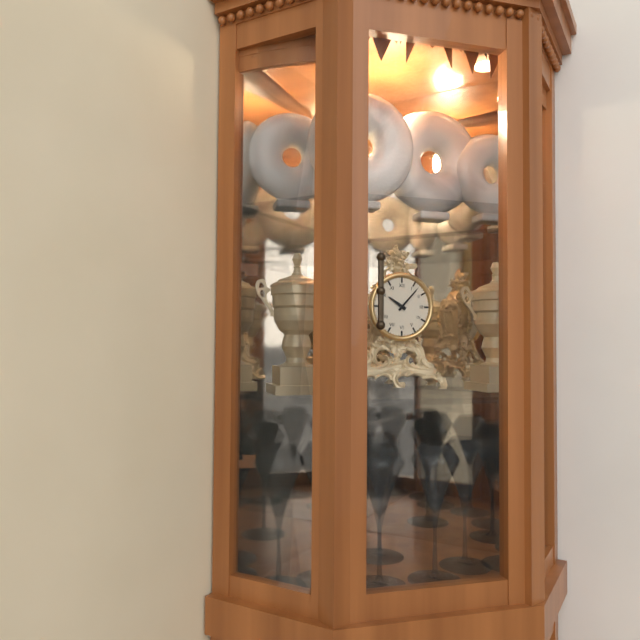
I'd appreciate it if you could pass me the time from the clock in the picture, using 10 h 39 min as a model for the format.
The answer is 10 h 07 min
